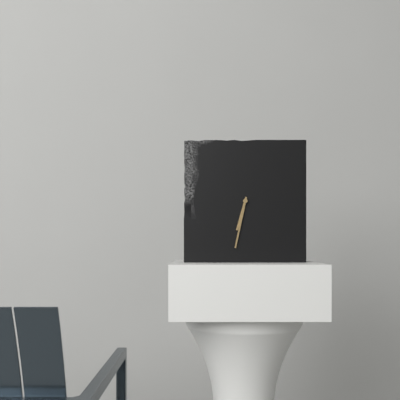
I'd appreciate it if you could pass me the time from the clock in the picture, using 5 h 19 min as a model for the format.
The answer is 6 h 32 min
